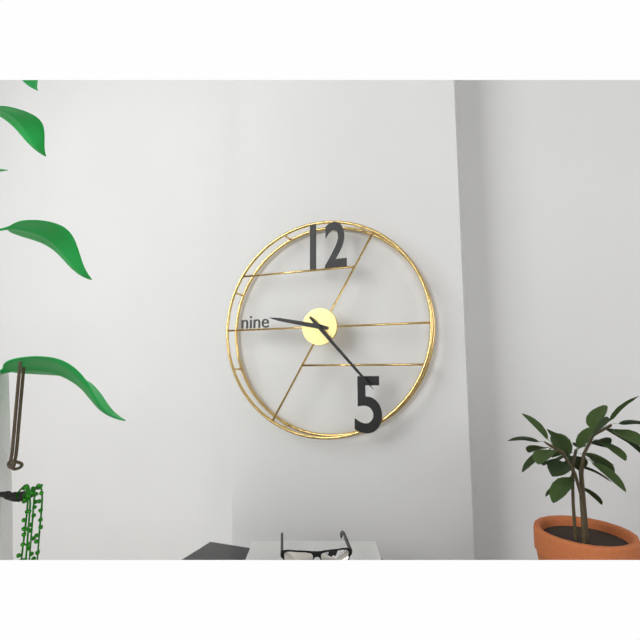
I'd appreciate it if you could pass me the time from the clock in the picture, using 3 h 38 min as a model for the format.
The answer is 9 h 23 min
